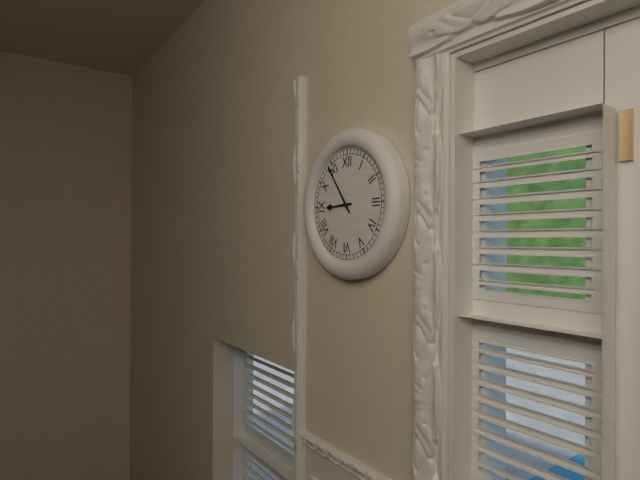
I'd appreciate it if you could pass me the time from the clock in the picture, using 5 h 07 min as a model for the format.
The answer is 8 h 54 min
